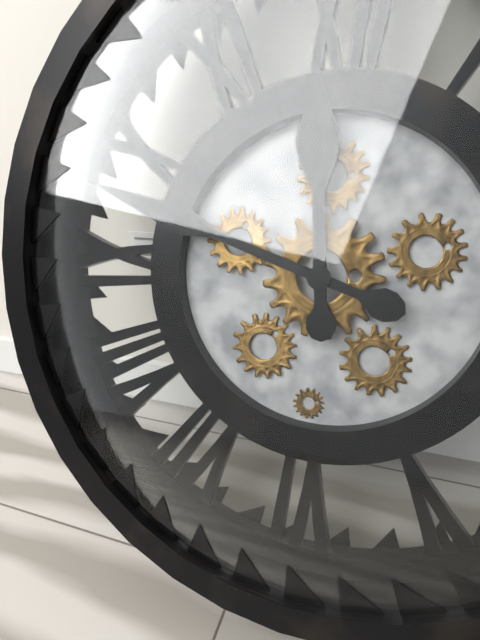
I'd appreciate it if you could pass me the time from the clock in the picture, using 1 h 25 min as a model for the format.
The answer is 11 h 48 min
